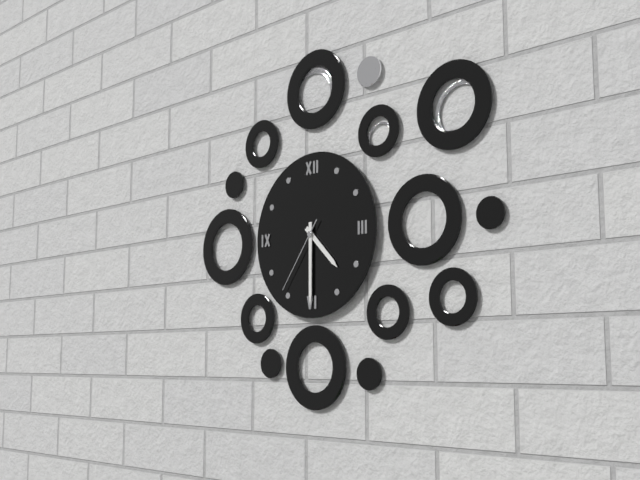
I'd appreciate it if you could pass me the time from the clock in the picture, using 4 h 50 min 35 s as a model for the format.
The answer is 4 h 30 min 36 s
